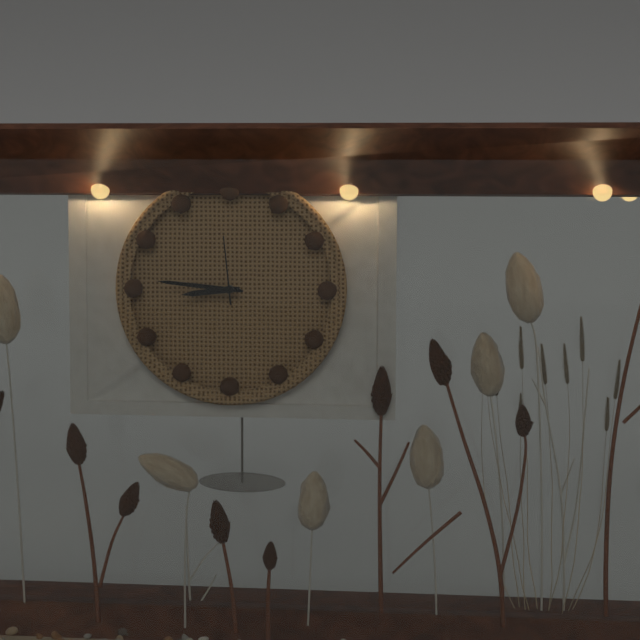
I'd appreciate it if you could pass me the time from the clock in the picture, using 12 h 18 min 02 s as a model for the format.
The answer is 8 h 46 min 59 s
